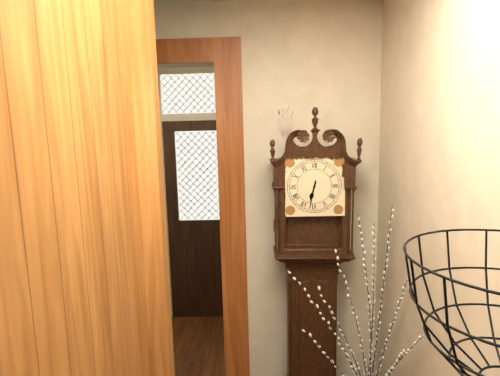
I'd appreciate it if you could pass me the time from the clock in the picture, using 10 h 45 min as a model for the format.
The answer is 6 h 32 min
